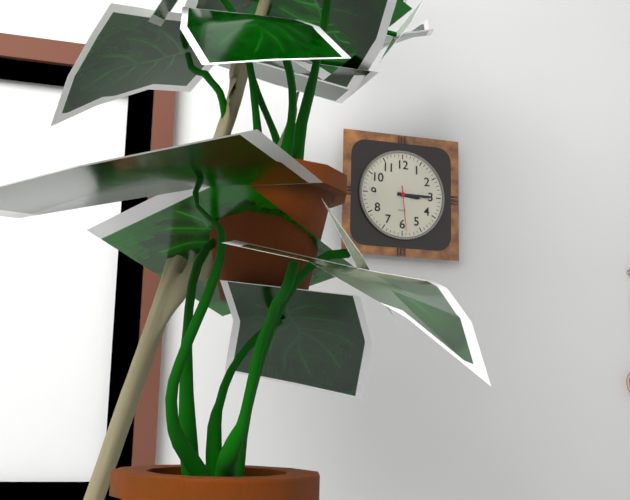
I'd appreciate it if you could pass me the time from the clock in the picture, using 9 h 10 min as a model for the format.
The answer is 3 h 15 min
